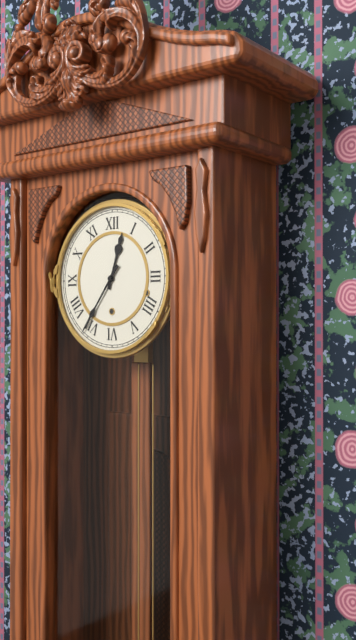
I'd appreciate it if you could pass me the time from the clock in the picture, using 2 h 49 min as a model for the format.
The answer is 12 h 36 min
